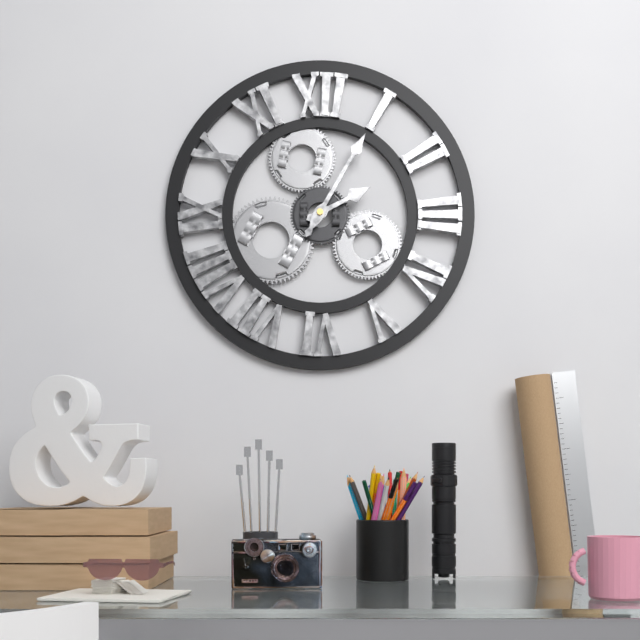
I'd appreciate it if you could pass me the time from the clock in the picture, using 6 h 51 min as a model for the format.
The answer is 2 h 05 min
